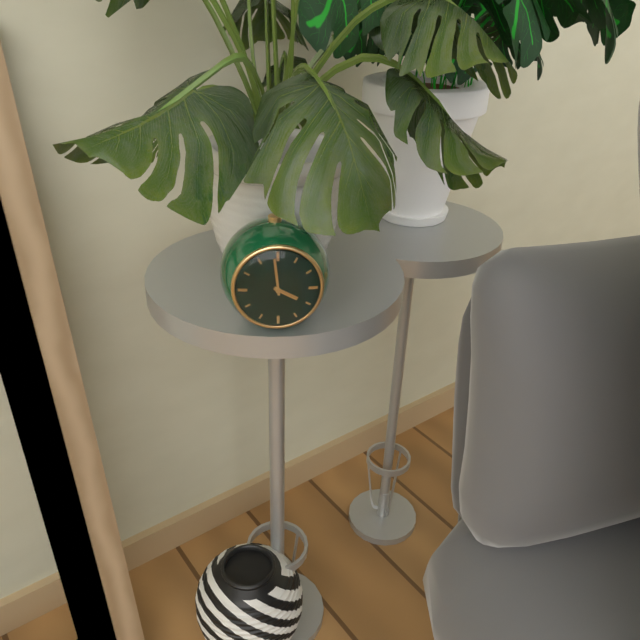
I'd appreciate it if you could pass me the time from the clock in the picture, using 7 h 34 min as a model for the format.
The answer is 3 h 59 min
